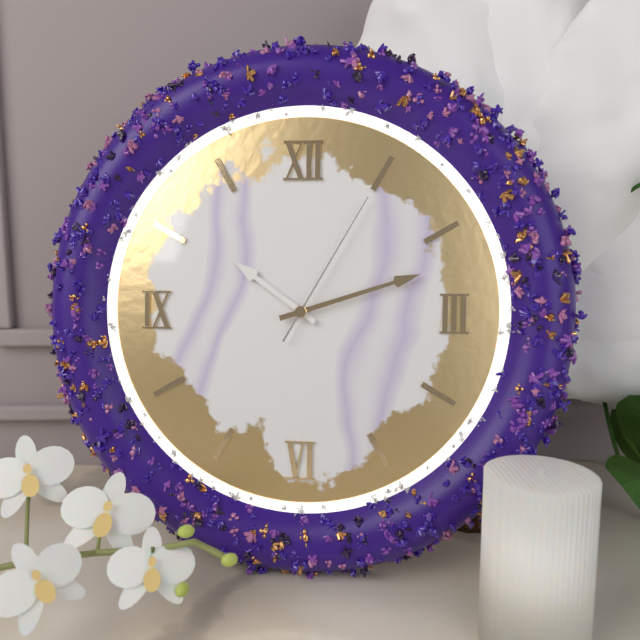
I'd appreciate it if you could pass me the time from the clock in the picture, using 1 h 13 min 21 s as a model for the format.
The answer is 10 h 12 min 05 s
